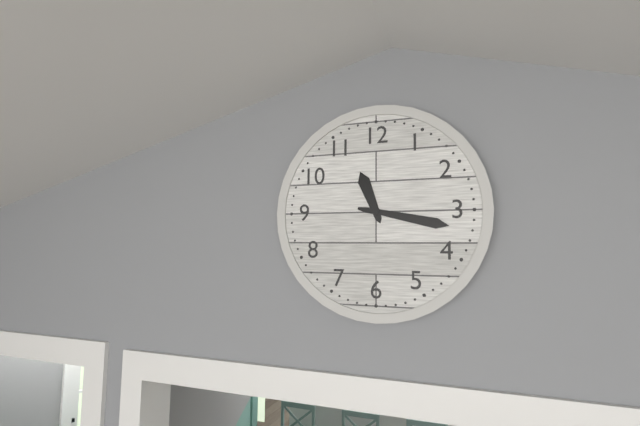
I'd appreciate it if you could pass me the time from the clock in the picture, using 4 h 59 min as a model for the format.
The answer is 11 h 17 min
